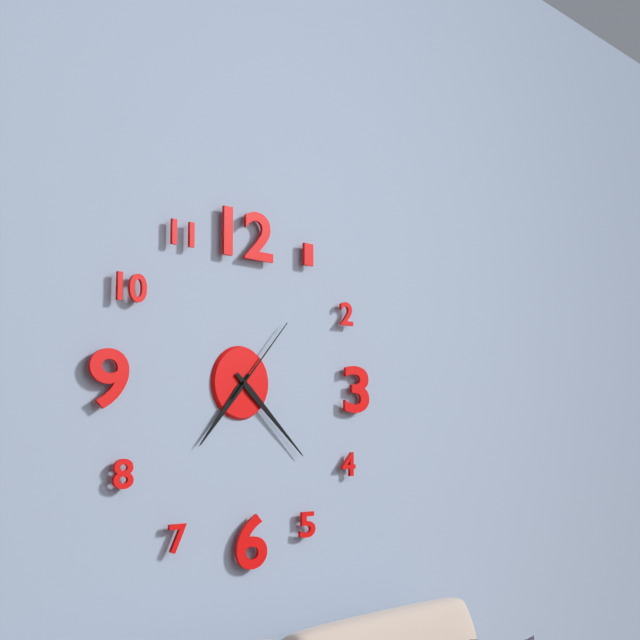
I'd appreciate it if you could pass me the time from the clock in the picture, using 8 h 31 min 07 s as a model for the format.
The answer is 7 h 22 min 07 s
